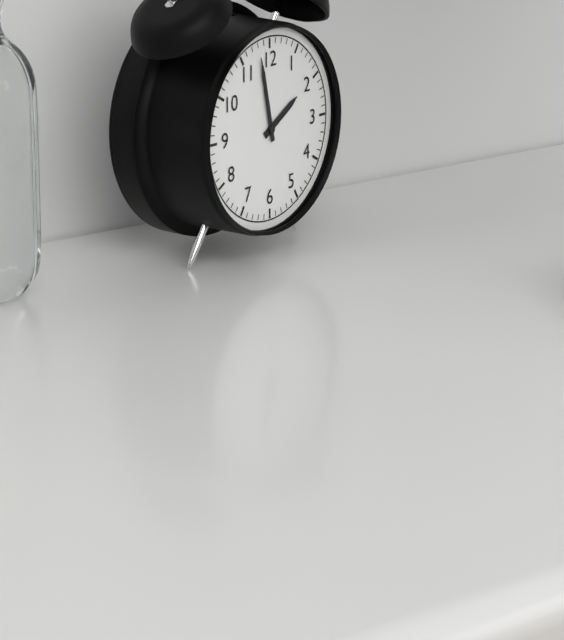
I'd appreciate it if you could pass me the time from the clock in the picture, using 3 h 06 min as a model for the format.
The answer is 1 h 58 min
